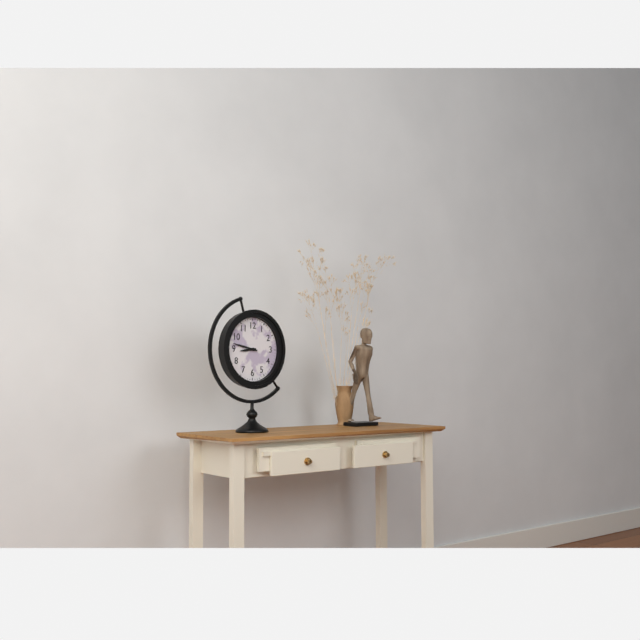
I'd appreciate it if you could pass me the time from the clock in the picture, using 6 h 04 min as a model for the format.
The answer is 8 h 47 min
